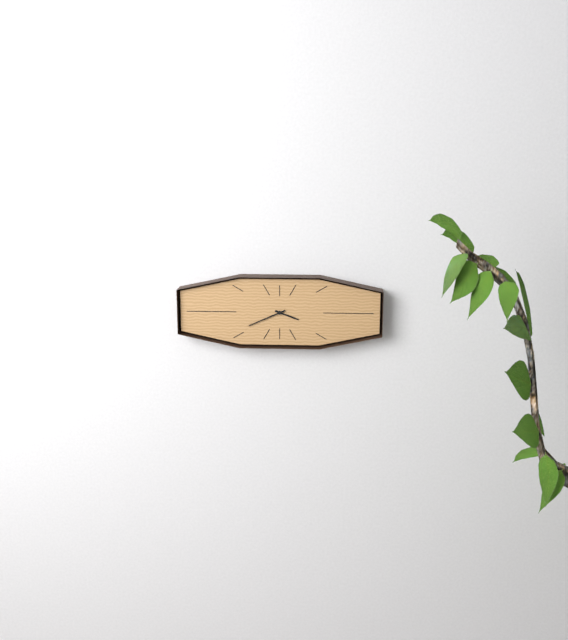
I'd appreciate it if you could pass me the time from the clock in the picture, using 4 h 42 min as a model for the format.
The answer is 3 h 41 min
